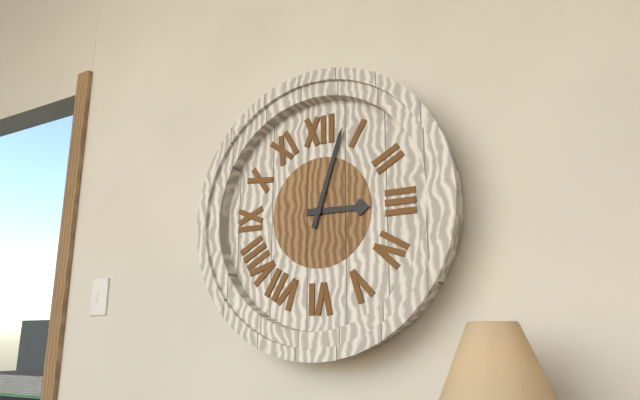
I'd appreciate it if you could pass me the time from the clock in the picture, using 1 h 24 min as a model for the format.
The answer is 3 h 03 min
